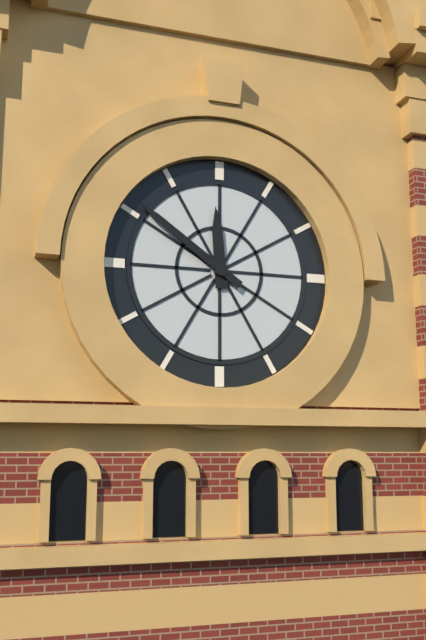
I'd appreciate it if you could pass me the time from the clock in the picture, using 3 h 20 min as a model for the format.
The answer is 11 h 51 min
